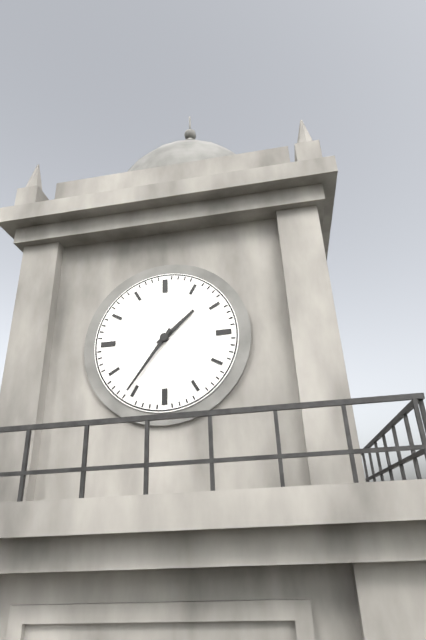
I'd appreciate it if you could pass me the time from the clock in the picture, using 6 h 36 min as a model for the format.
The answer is 1 h 36 min
